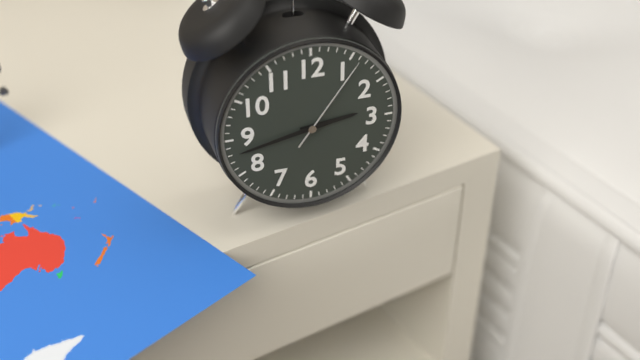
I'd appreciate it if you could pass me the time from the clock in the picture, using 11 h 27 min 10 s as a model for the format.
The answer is 2 h 43 min 06 s
